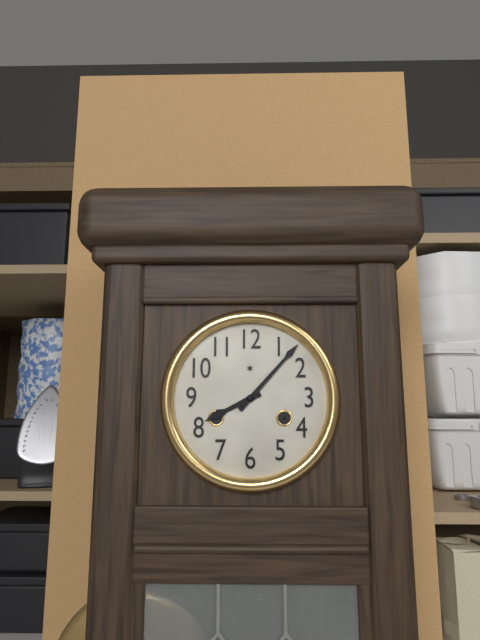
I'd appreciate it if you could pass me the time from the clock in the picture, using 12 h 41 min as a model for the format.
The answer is 8 h 07 min
